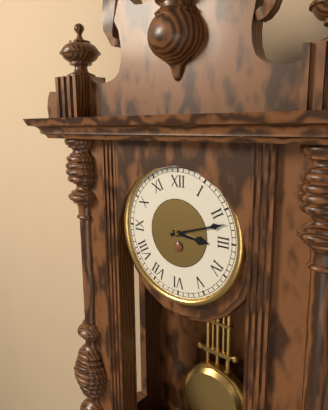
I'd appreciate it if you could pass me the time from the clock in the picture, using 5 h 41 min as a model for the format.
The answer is 3 h 12 min
